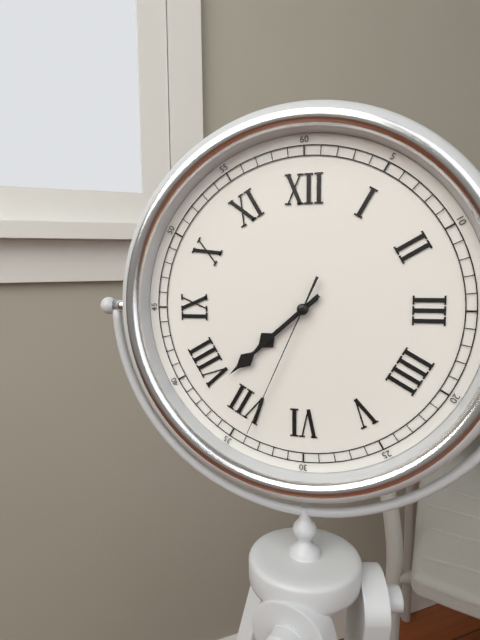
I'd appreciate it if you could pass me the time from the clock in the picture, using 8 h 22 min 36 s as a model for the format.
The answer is 7 h 38 min 34 s
